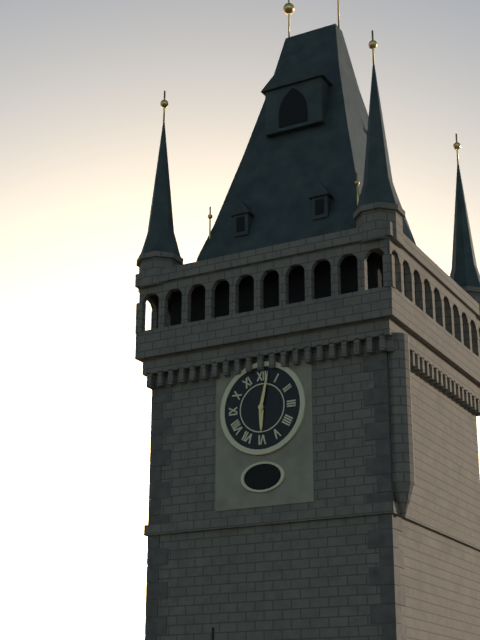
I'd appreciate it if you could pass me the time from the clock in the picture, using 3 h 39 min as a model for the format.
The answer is 6 h 02 min
